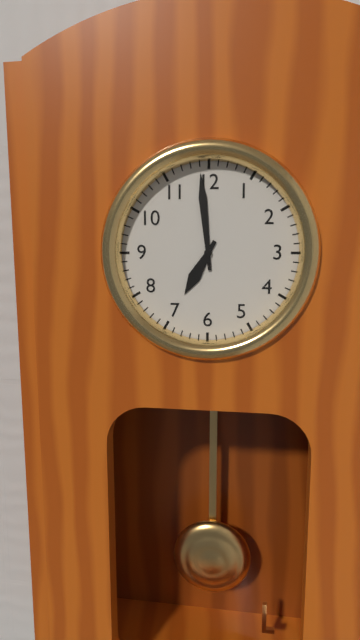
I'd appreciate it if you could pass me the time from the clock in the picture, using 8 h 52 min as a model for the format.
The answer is 6 h 59 min
